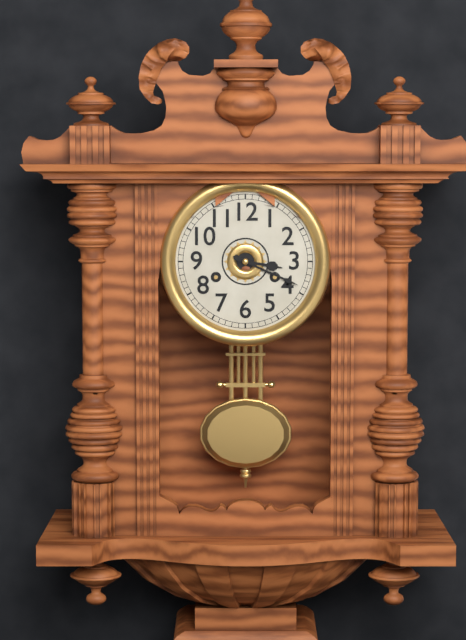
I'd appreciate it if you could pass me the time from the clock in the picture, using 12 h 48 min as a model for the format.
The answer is 3 h 19 min
